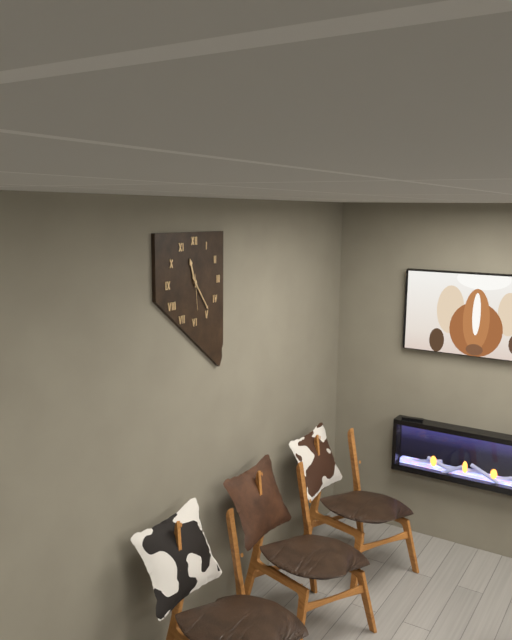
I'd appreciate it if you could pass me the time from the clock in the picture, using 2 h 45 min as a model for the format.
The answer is 11 h 24 min
